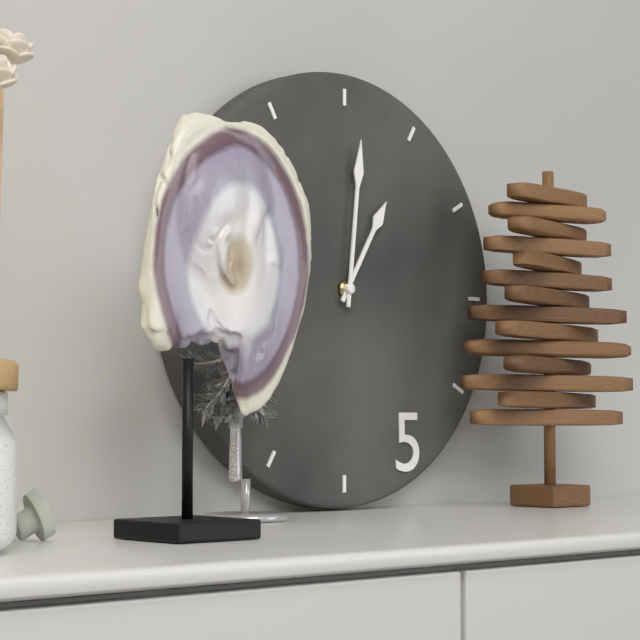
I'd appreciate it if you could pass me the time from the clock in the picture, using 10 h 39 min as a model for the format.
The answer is 1 h 01 min
